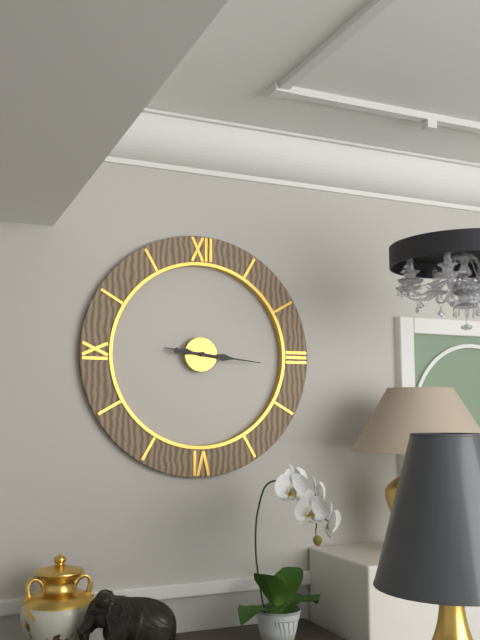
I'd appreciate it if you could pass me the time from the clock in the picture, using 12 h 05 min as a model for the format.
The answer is 9 h 16 min
